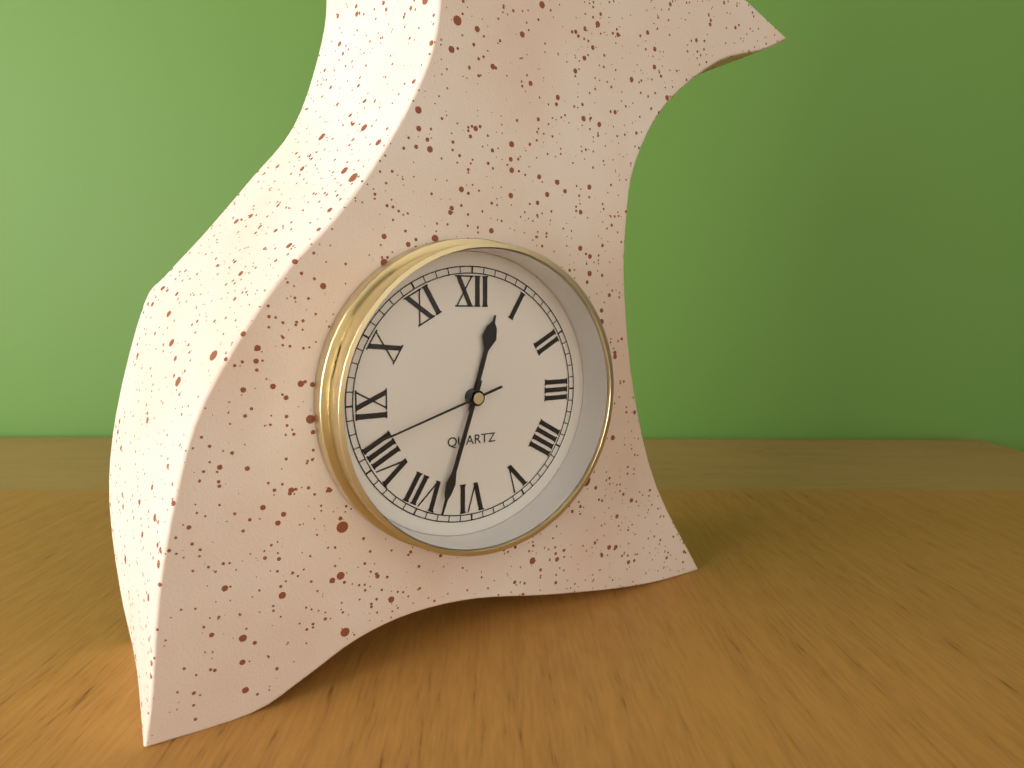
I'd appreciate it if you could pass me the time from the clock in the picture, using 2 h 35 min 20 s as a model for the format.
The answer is 12 h 33 min 42 s
